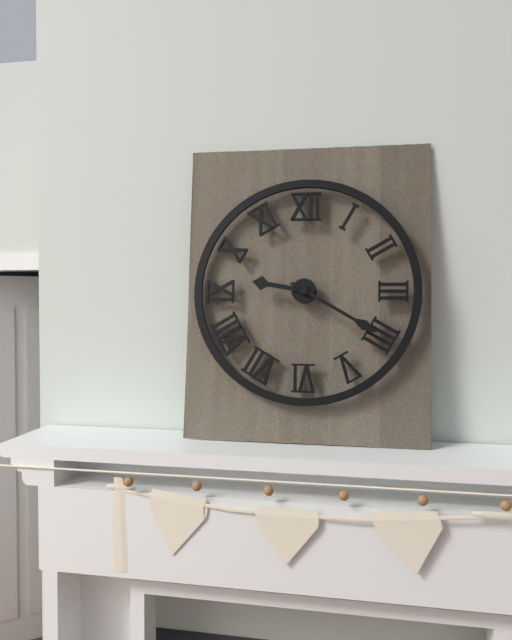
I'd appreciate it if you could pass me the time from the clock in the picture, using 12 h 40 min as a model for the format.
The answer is 9 h 20 min
